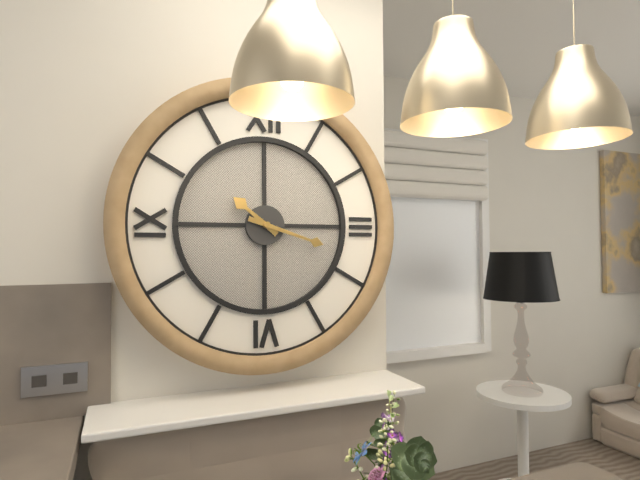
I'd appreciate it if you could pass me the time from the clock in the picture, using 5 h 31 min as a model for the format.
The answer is 10 h 18 min
